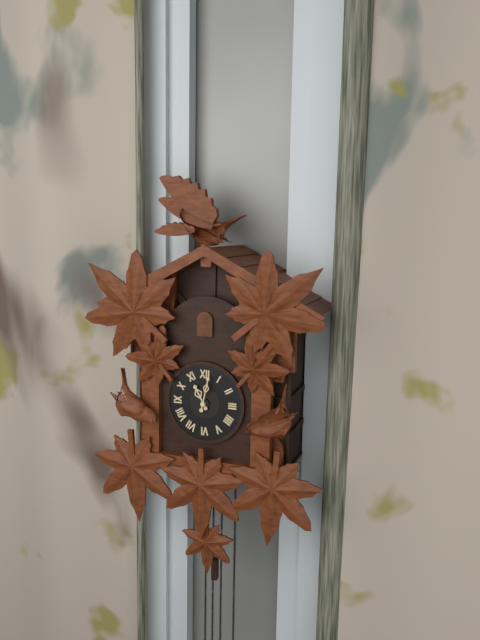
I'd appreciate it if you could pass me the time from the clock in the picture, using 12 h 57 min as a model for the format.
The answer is 11 h 02 min
